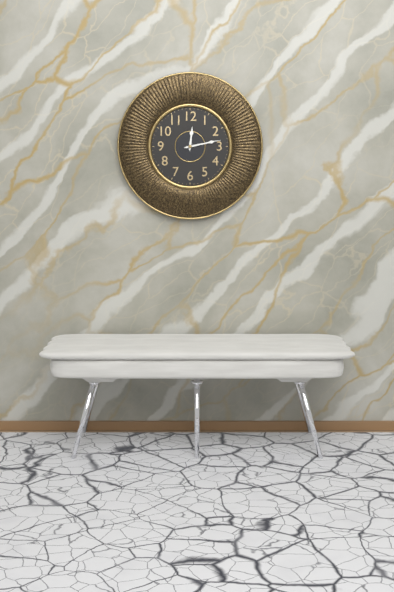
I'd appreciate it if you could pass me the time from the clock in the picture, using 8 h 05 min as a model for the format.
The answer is 12 h 13 min
